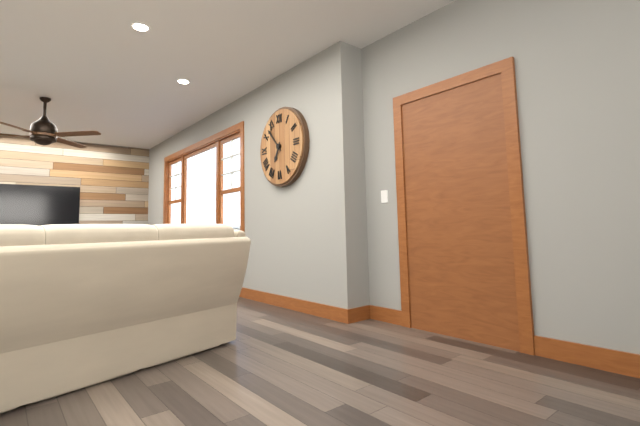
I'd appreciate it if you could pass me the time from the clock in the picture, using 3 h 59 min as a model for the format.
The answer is 6 h 53 min
